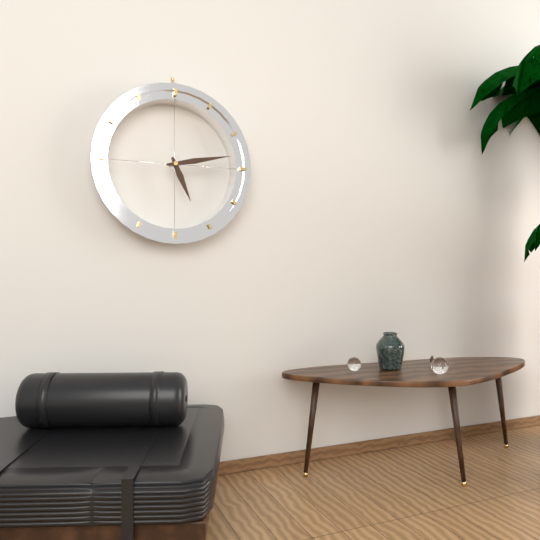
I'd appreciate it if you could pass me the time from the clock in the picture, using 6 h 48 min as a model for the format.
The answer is 5 h 13 min
